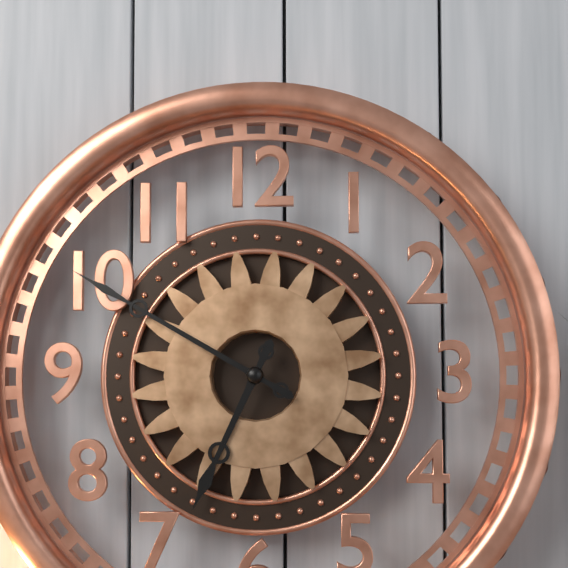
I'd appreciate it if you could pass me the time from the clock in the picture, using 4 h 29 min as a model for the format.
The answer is 6 h 50 min
